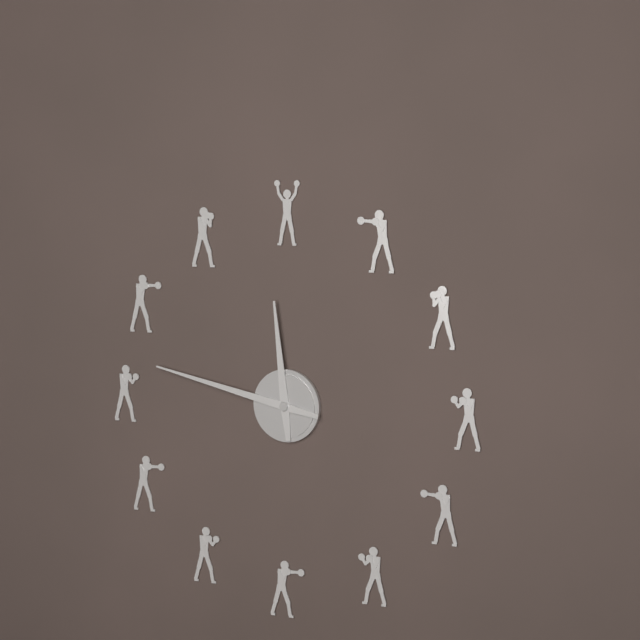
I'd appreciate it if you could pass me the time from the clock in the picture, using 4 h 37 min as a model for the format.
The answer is 11 h 47 min
